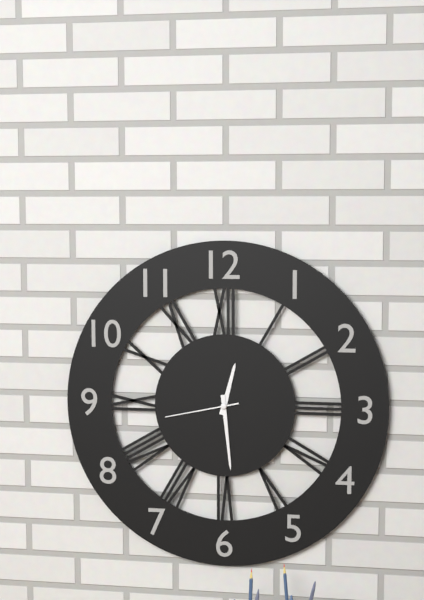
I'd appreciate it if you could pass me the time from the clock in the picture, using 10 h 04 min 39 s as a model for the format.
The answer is 12 h 29 min 43 s
